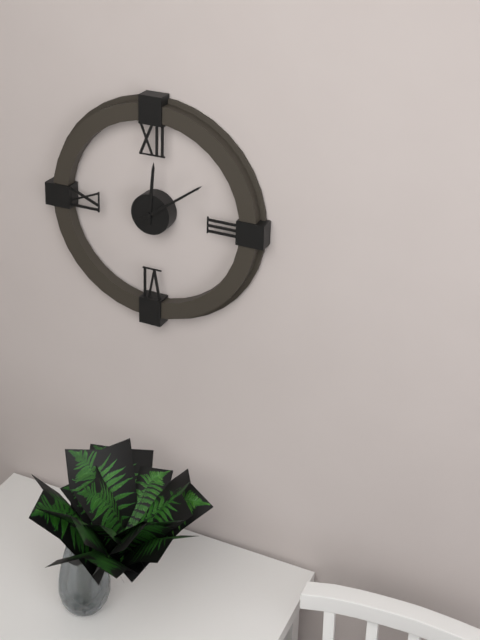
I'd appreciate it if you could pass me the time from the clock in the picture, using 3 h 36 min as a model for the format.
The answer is 12 h 09 min
